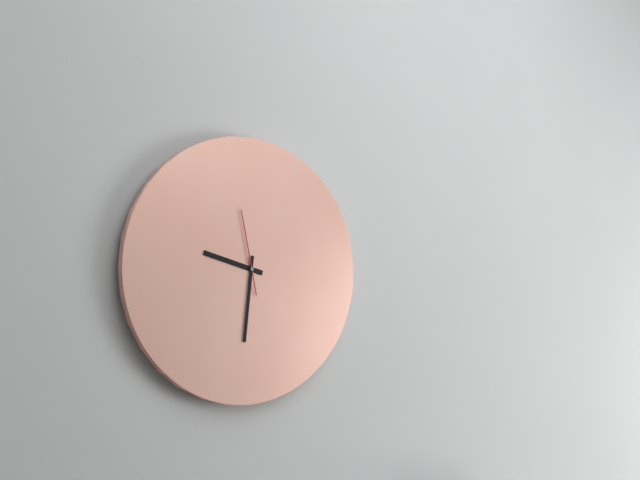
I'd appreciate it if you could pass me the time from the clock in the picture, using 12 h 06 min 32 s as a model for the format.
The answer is 9 h 31 min 58 s
